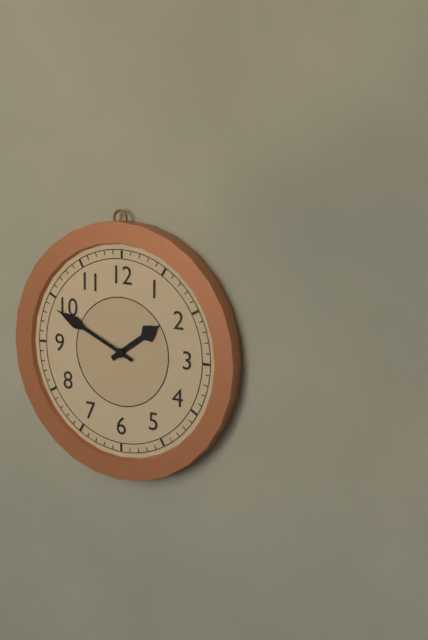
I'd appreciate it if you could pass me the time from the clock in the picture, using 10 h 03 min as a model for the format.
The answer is 1 h 49 min
